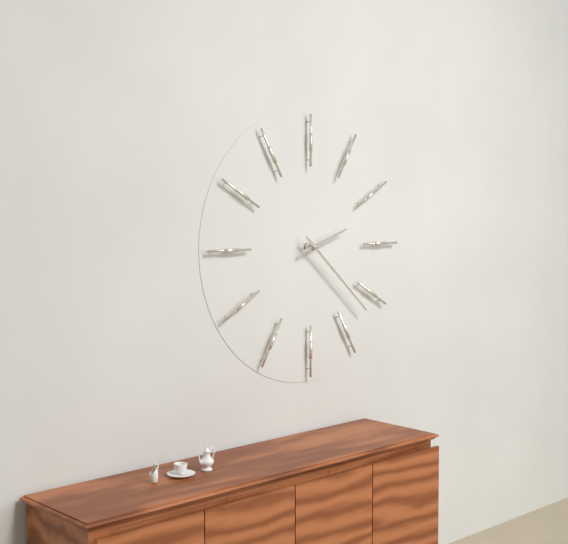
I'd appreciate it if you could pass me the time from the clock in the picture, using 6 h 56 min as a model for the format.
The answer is 2 h 22 min
